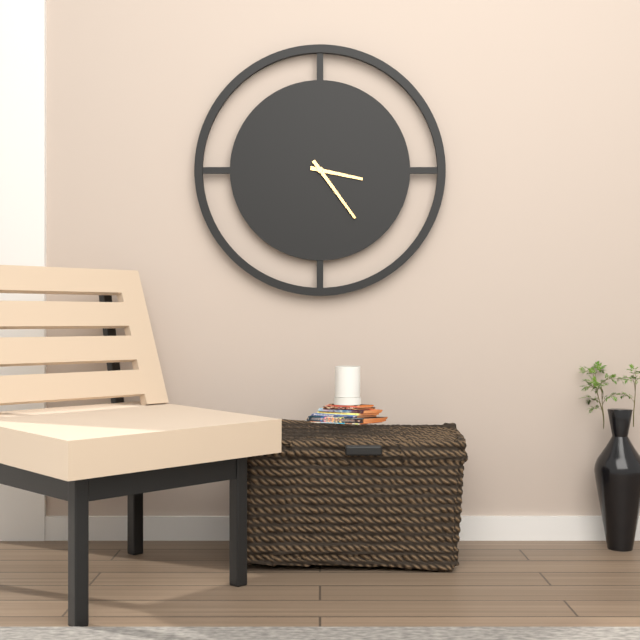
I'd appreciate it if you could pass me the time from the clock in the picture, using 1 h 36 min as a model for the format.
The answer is 3 h 24 min
